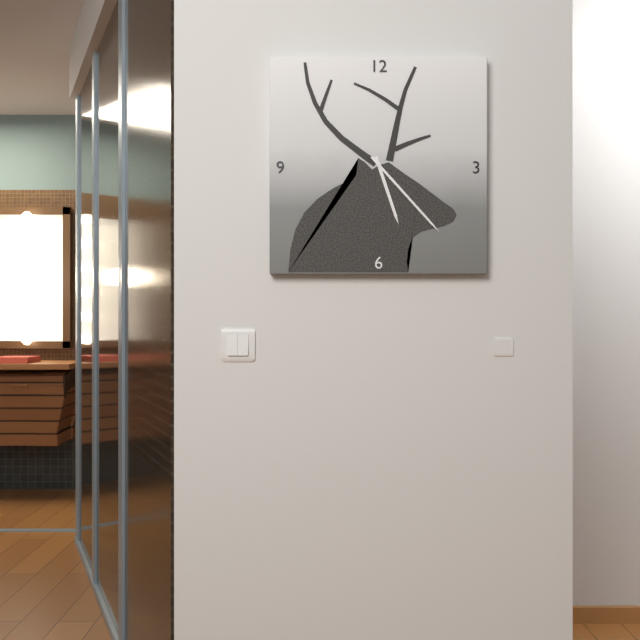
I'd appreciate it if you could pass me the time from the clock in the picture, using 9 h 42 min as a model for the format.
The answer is 5 h 23 min
